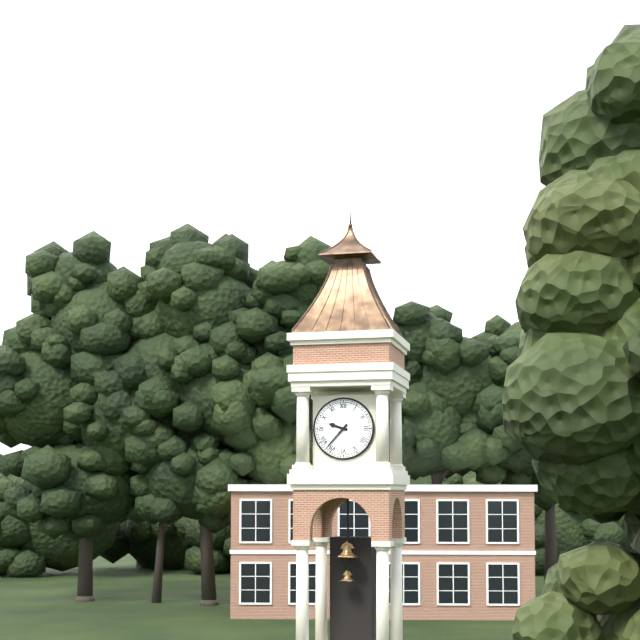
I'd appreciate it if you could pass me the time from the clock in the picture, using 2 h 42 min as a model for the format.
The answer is 9 h 37 min
